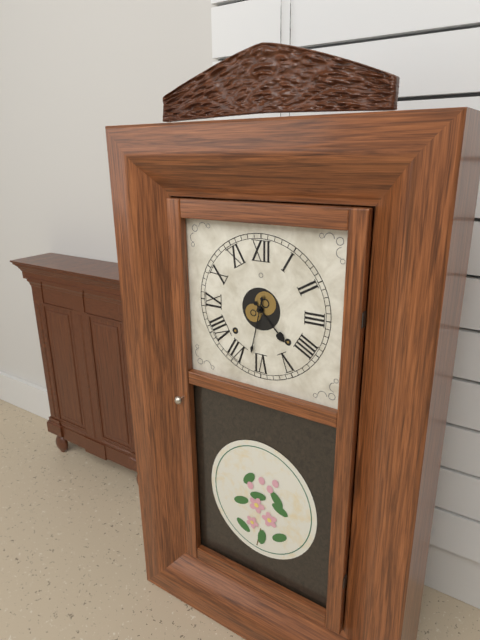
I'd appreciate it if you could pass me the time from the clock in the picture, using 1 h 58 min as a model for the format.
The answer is 4 h 32 min
